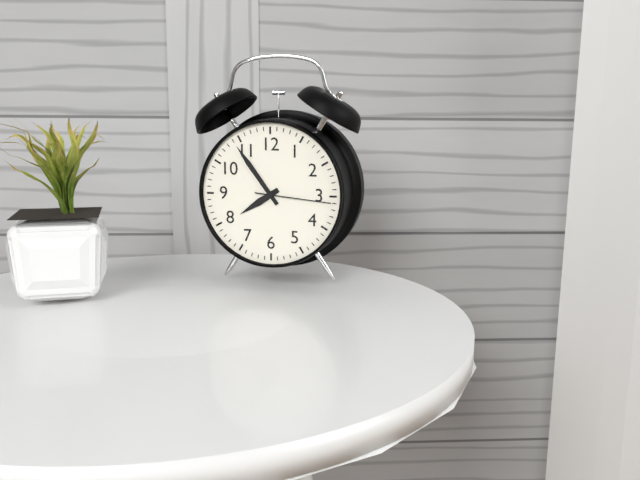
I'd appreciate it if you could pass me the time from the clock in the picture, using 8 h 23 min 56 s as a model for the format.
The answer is 7 h 54 min 16 s
